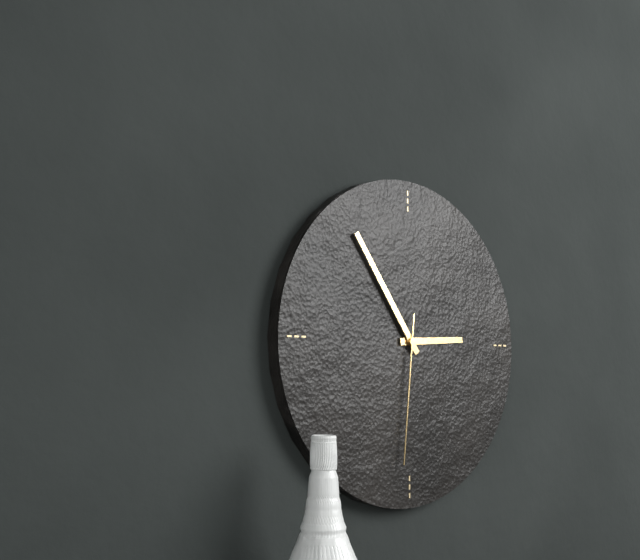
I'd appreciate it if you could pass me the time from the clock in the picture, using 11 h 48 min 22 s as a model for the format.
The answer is 2 h 54 min 31 s
